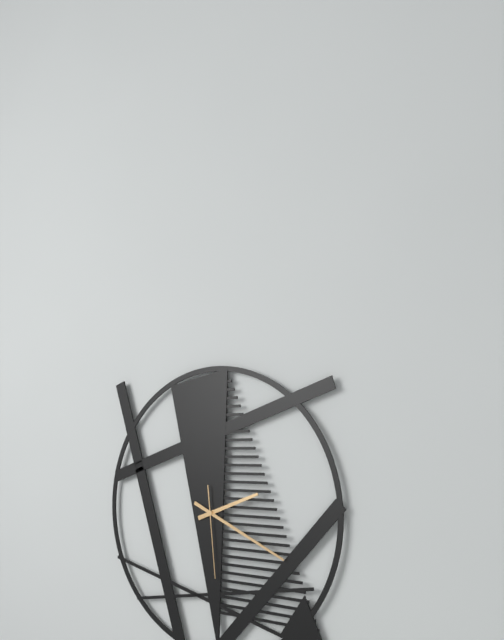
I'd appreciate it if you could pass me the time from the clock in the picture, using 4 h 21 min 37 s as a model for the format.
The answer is 2 h 19 min 29 s
